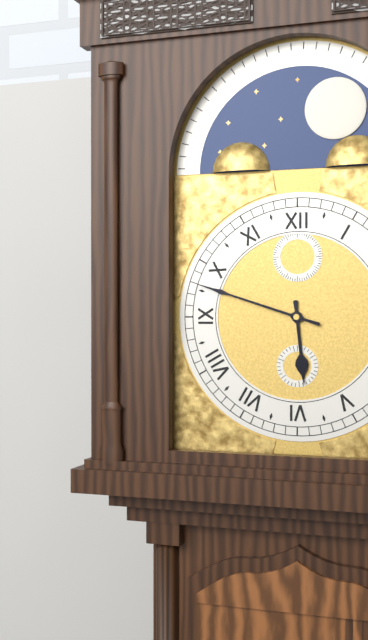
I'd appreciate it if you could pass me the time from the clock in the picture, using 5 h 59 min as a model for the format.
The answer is 5 h 48 min
